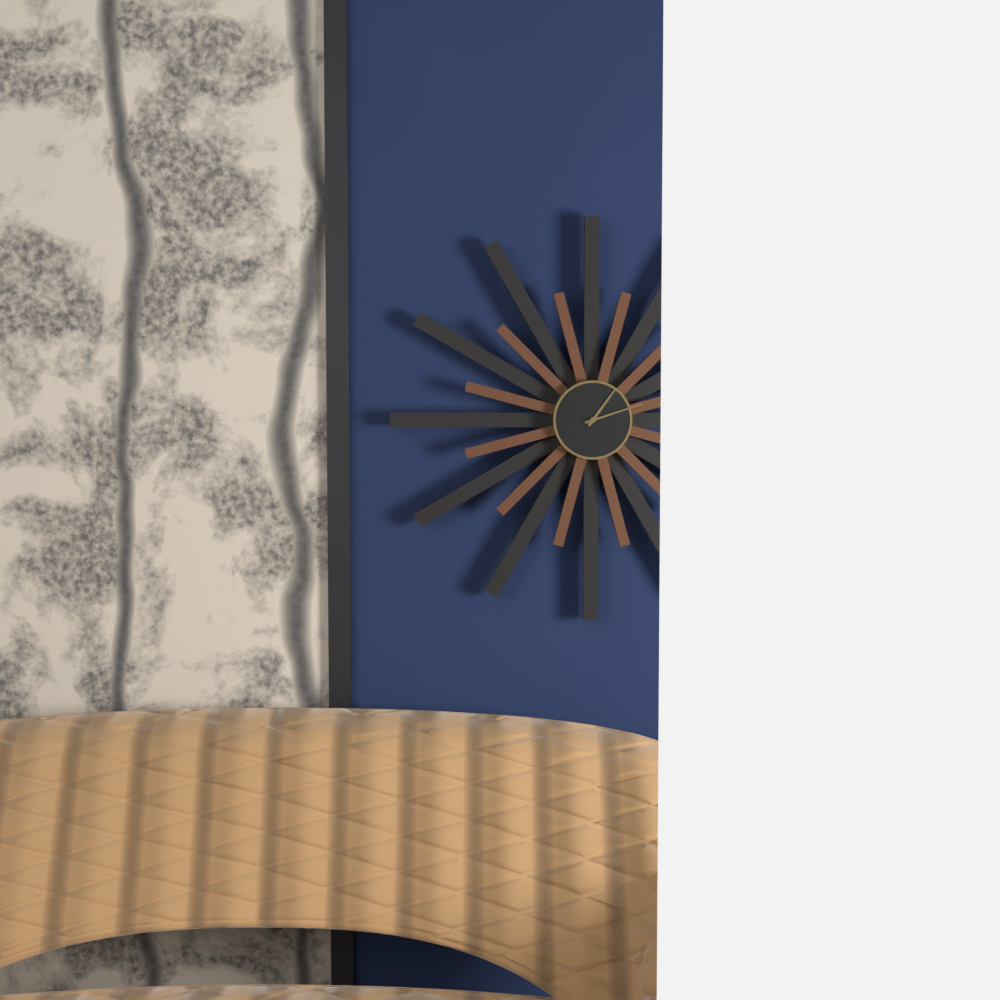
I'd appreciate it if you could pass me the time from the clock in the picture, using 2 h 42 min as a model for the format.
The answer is 1 h 12 min
